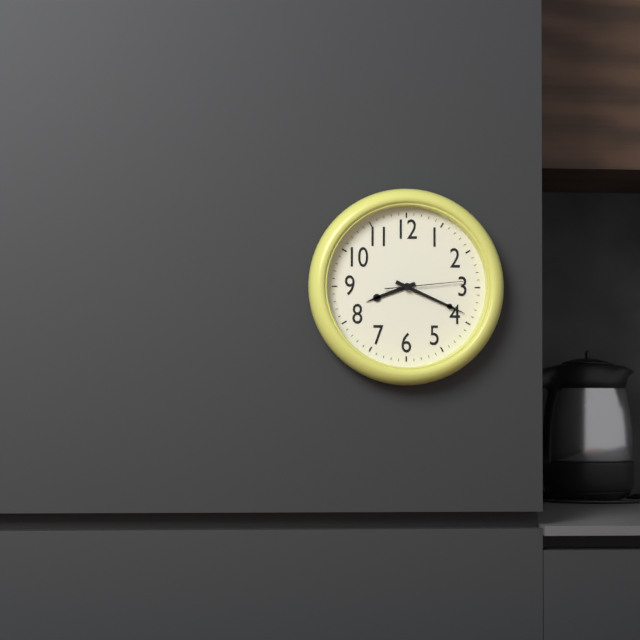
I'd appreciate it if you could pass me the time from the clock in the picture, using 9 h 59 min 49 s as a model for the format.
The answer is 8 h 19 min 14 s
